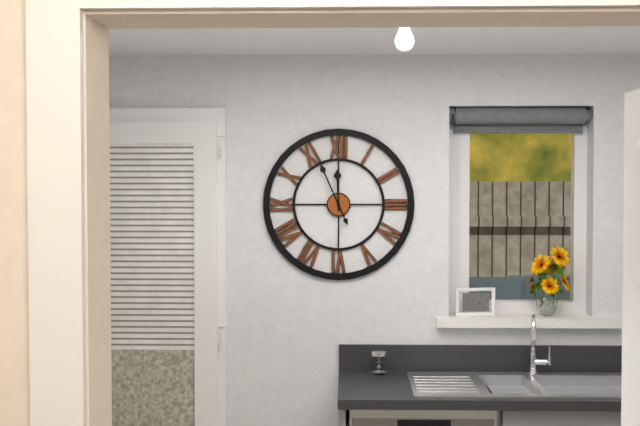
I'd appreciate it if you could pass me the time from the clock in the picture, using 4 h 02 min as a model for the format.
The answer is 11 h 56 min
